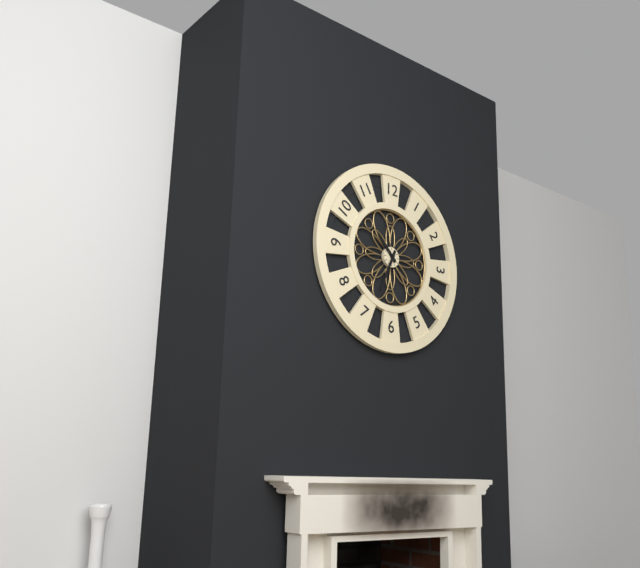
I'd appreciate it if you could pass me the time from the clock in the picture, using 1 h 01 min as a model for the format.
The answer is 10 h 34 min
